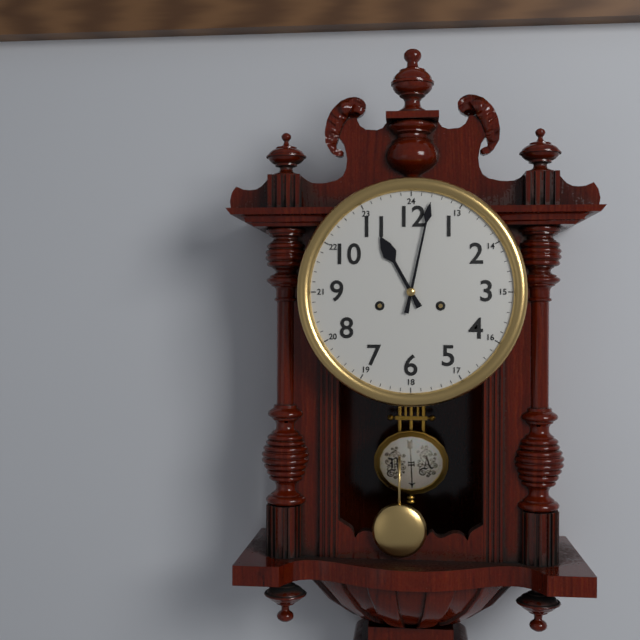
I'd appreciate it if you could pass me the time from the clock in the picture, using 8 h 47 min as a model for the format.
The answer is 11 h 02 min
